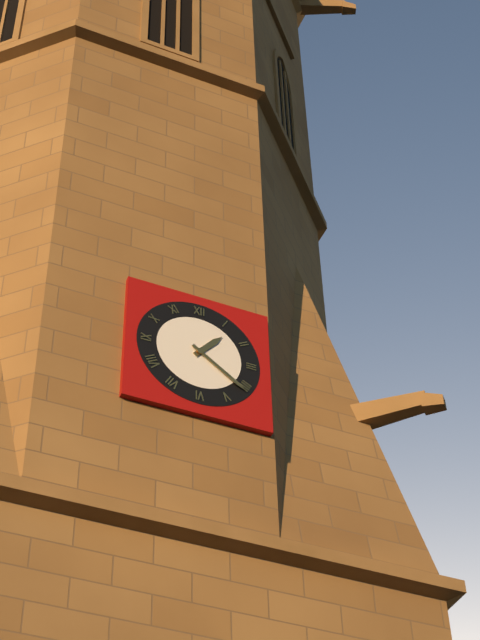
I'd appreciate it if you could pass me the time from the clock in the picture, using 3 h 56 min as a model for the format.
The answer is 1 h 21 min
